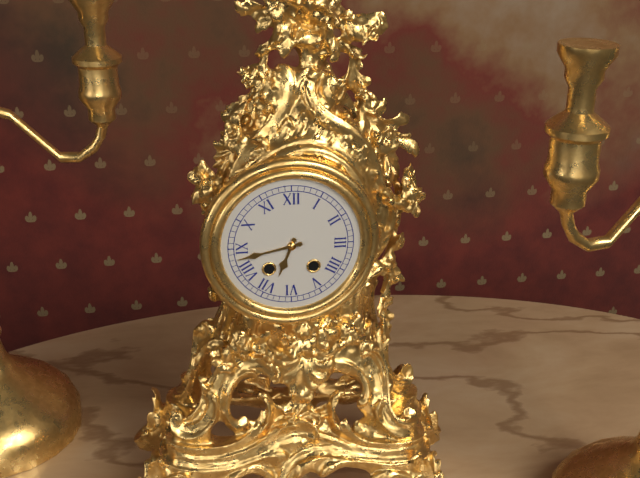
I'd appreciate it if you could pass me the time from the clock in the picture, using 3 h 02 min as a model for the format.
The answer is 6 h 43 min
